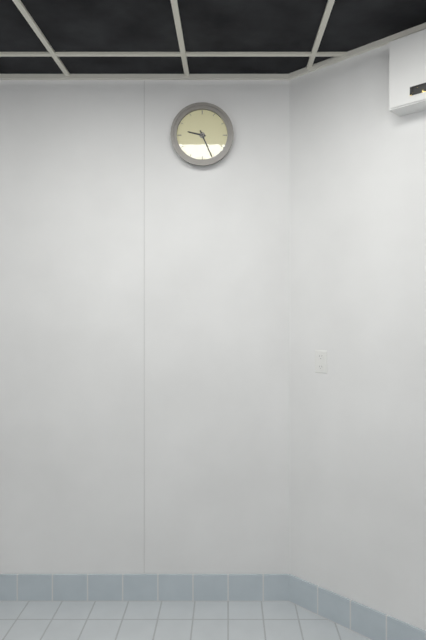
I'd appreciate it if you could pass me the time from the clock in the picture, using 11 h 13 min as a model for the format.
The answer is 9 h 26 min
